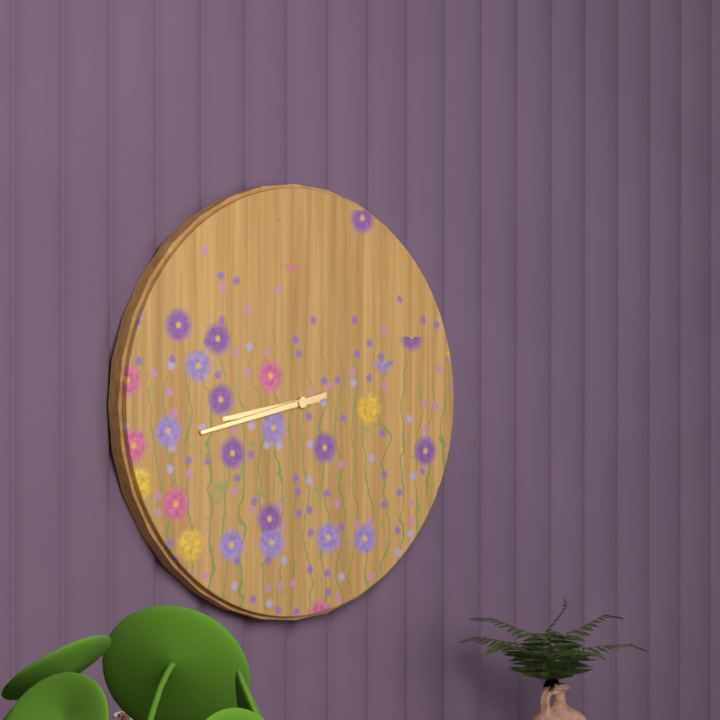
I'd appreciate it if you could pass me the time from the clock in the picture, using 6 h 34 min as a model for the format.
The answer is 8 h 43 min
